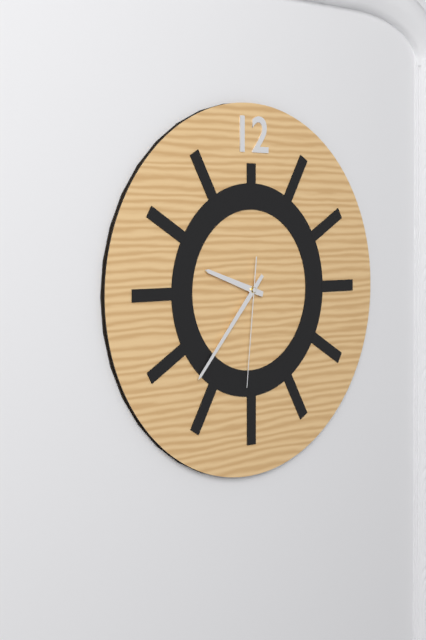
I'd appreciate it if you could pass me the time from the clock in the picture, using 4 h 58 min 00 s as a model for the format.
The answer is 9 h 37 min 31 s
